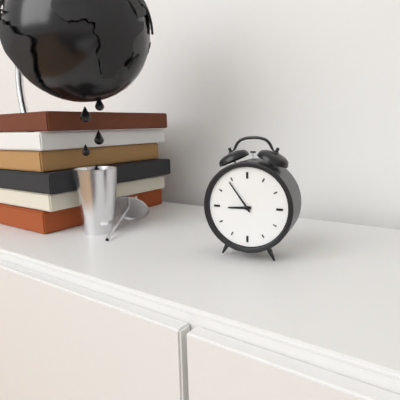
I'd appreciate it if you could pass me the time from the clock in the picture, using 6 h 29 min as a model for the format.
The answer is 8 h 54 min
